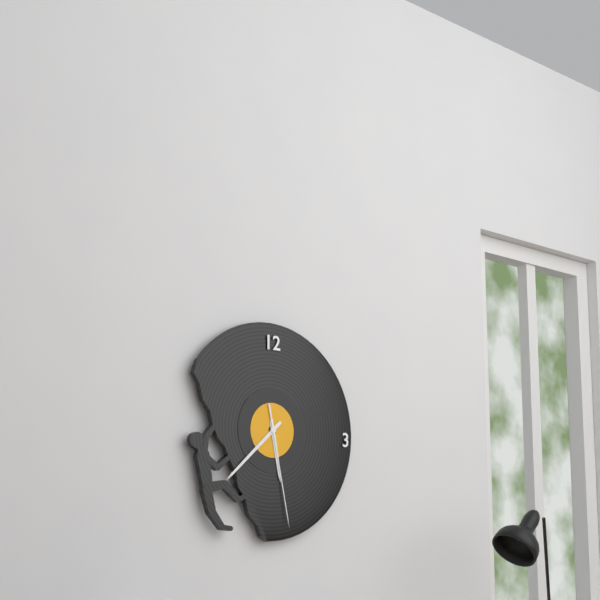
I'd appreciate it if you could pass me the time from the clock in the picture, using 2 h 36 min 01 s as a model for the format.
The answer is 5 h 38 min 28 s
